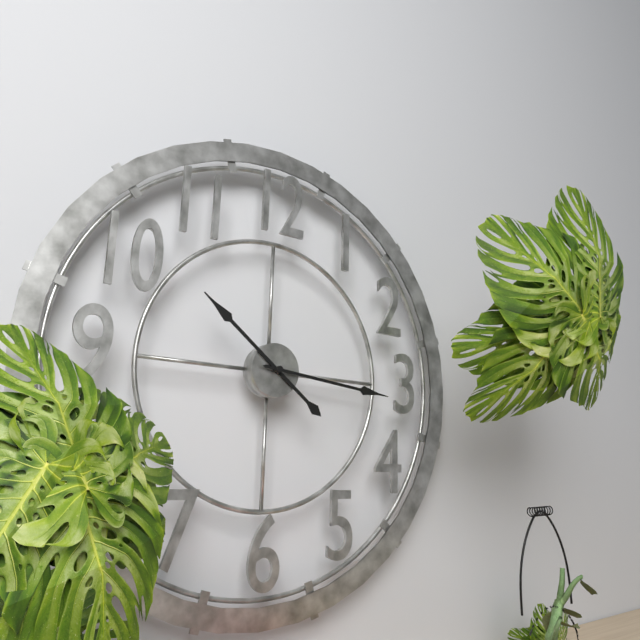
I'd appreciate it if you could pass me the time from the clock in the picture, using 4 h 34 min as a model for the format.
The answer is 10 h 16 min
